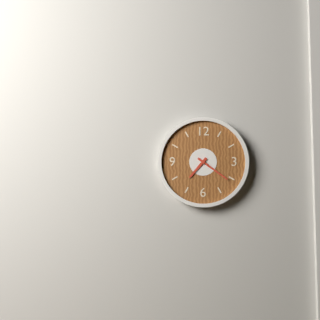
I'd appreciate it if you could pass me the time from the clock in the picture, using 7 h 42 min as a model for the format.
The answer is 7 h 21 min
